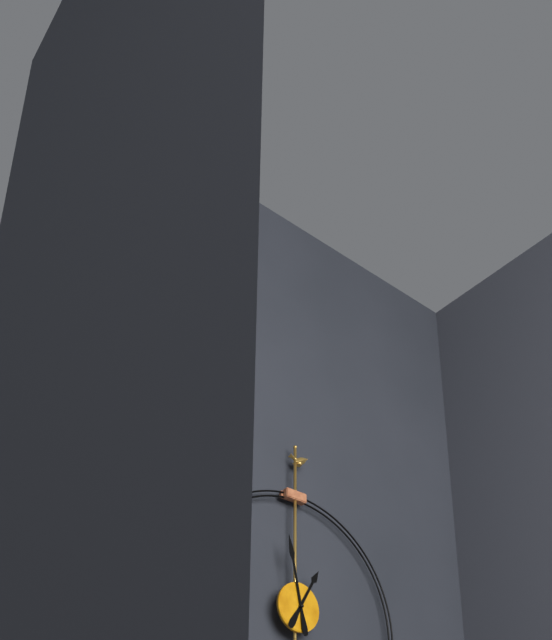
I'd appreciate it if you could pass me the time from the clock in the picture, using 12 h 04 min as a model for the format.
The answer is 12 h 58 min
